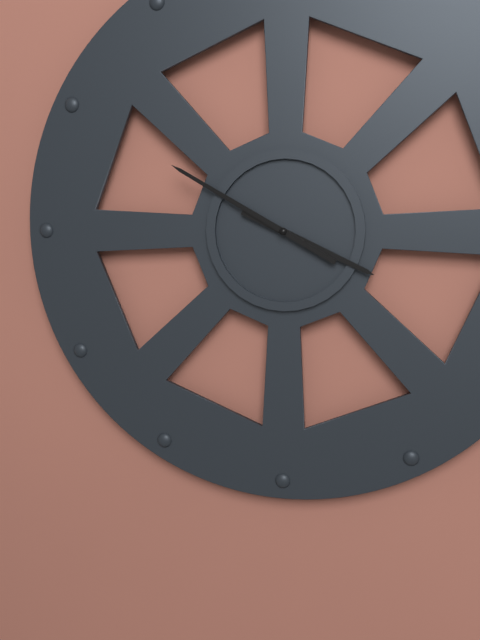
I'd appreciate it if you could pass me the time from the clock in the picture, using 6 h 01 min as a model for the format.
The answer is 3 h 50 min
